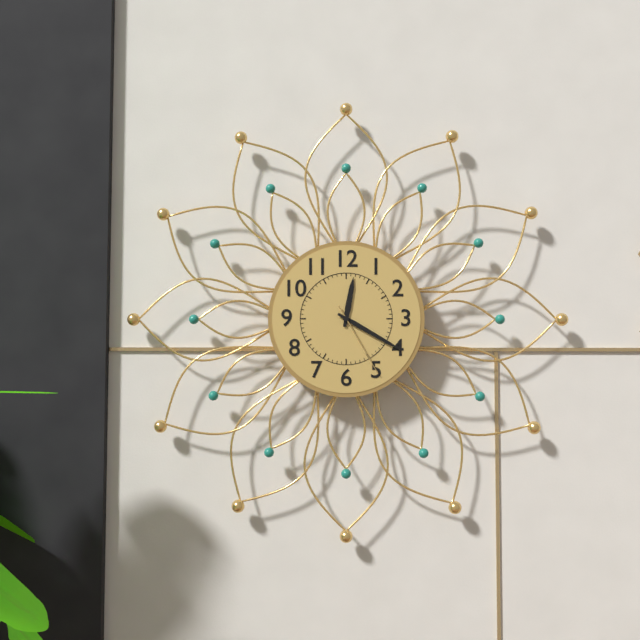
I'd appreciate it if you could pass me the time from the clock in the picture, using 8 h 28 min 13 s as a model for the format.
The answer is 12 h 20 min 25 s
